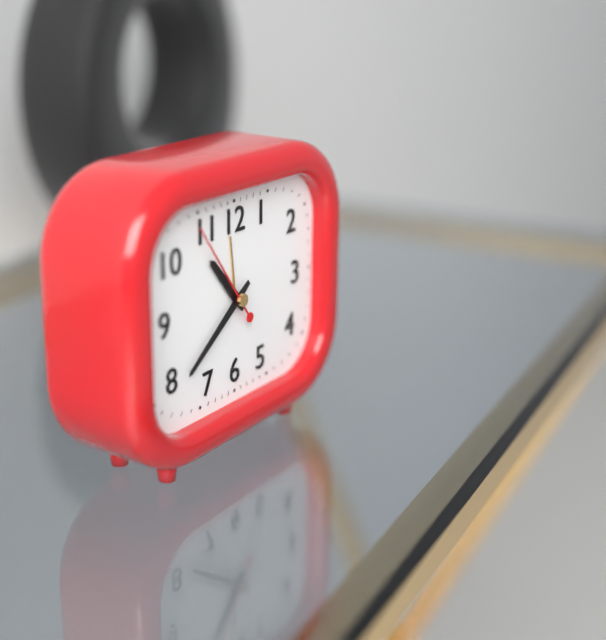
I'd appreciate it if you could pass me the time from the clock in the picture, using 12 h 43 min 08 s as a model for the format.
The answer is 10 h 39 min 54 s
